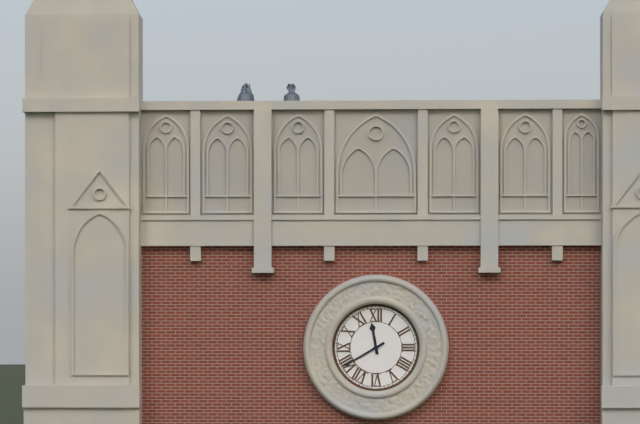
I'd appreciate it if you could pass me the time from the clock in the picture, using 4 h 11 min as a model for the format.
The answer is 11 h 40 min
